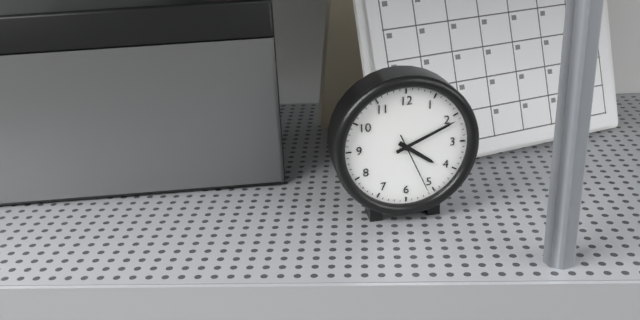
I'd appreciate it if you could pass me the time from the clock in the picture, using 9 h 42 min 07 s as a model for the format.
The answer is 4 h 11 min 26 s
